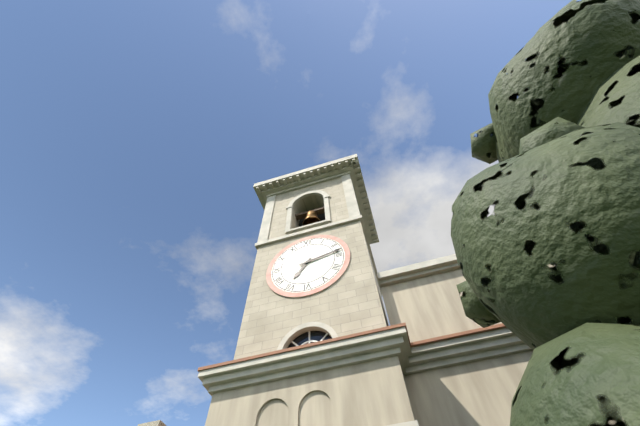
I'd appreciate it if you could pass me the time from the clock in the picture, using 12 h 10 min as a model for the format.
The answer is 7 h 13 min
